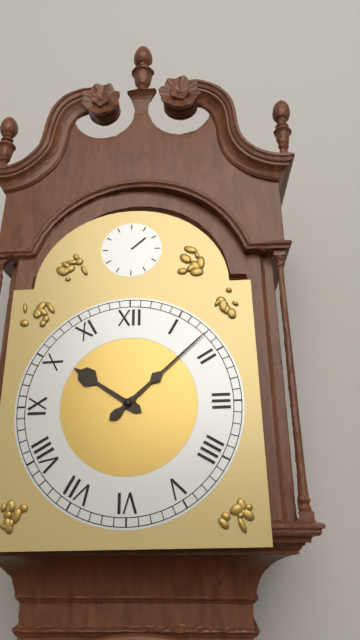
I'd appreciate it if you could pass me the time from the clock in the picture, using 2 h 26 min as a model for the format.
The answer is 10 h 08 min
